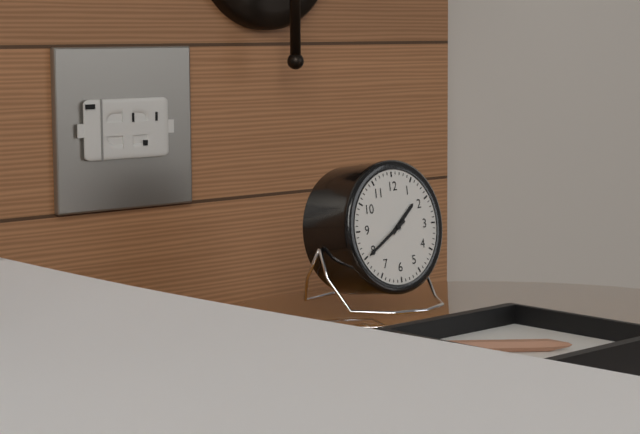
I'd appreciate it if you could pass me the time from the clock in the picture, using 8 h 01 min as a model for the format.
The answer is 1 h 40 min
